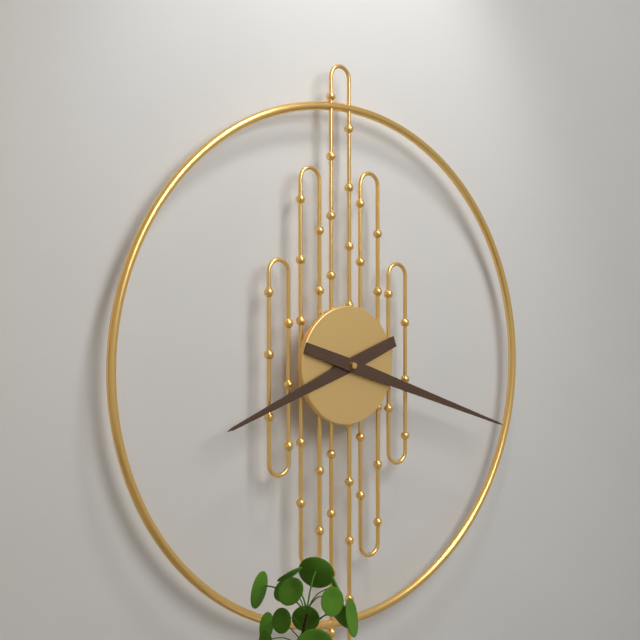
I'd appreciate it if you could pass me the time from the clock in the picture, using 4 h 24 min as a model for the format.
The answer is 8 h 18 min
